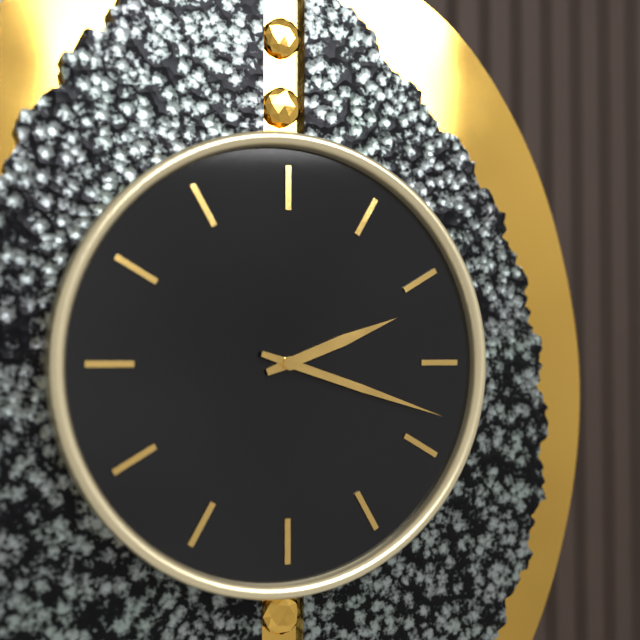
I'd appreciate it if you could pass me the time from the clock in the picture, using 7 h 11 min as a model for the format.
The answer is 2 h 18 min
